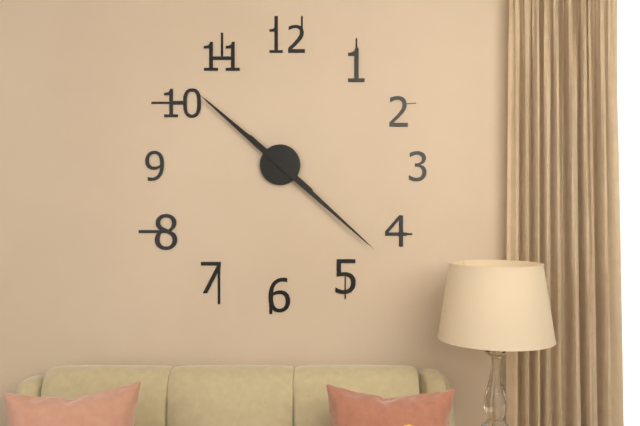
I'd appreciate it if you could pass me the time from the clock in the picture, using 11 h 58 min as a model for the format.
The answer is 10 h 22 min
